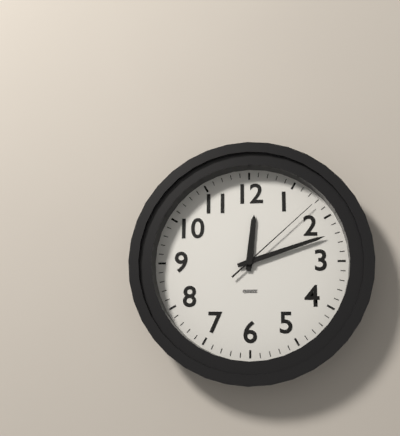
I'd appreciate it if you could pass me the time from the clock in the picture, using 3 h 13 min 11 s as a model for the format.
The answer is 12 h 12 min 08 s
